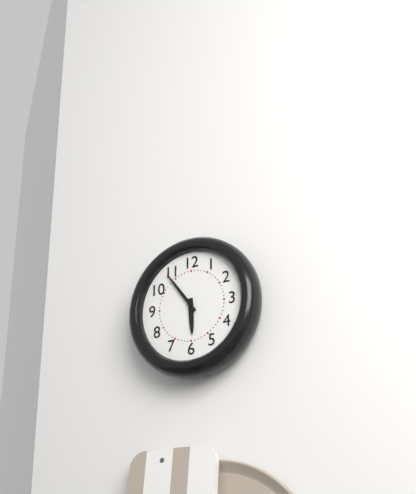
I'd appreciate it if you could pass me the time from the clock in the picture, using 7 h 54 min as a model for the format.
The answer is 5 h 54 min
